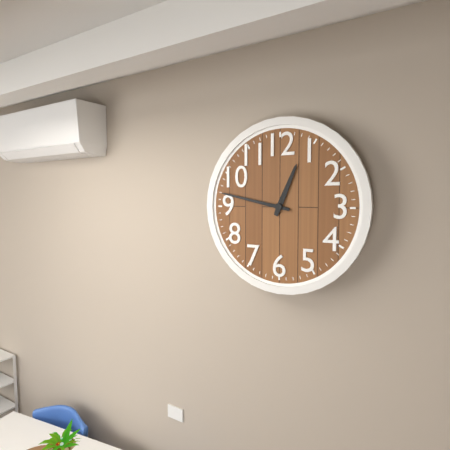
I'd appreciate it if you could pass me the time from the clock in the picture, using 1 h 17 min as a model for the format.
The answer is 12 h 47 min
